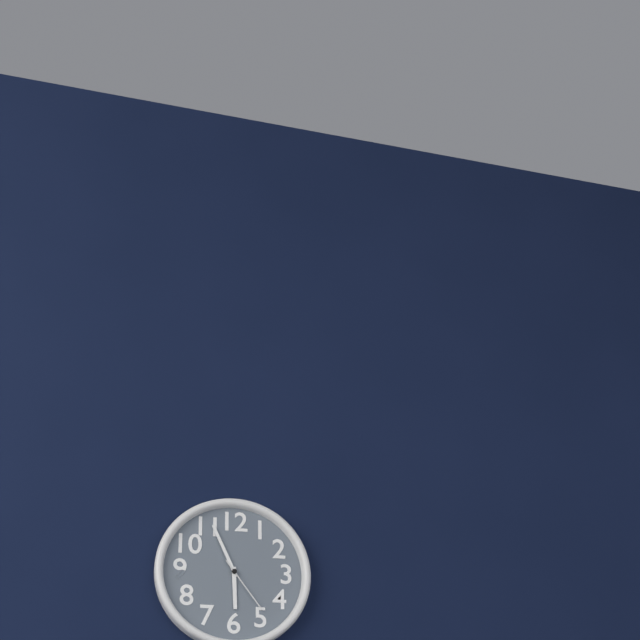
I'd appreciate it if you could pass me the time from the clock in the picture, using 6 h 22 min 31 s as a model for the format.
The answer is 5 h 56 min 24 s
